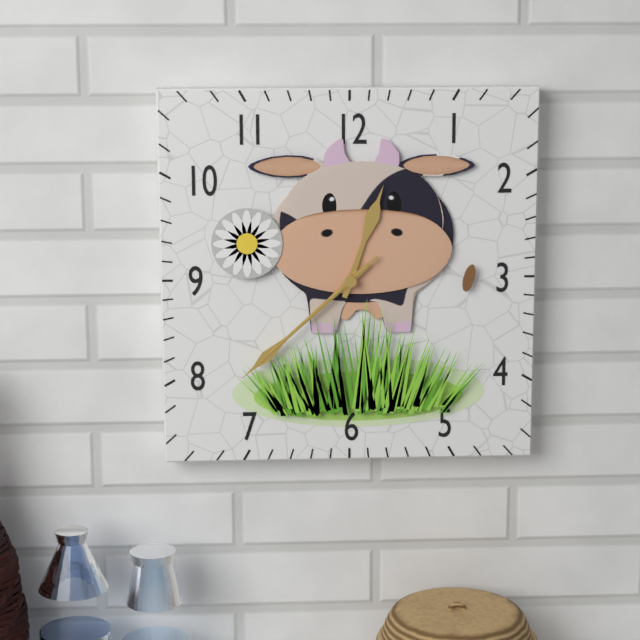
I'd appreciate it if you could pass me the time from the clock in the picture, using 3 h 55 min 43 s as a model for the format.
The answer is 12 h 38 min 38 s
